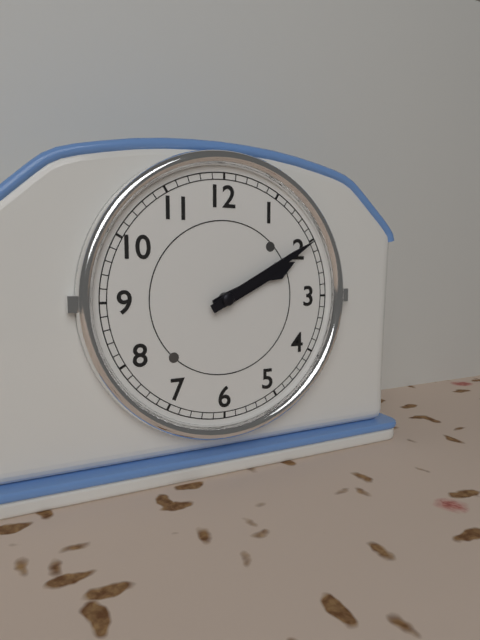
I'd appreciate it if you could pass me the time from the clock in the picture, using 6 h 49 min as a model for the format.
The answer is 2 h 10 min
